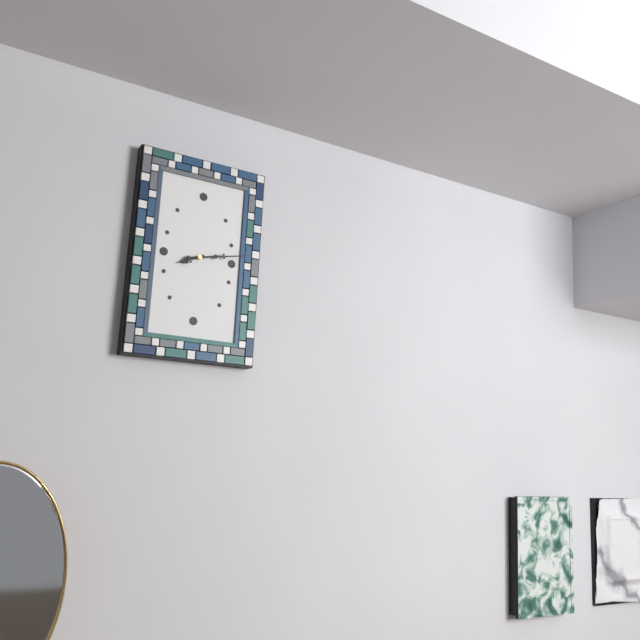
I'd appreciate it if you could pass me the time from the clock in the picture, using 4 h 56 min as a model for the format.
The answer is 8 h 13 min
